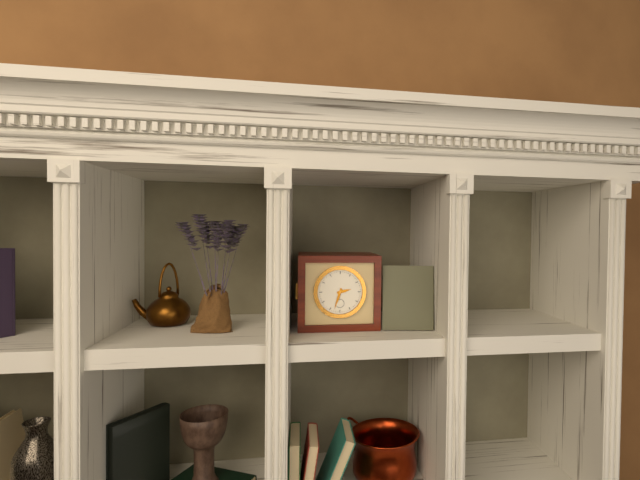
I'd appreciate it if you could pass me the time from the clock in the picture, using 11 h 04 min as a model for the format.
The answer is 2 h 33 min
